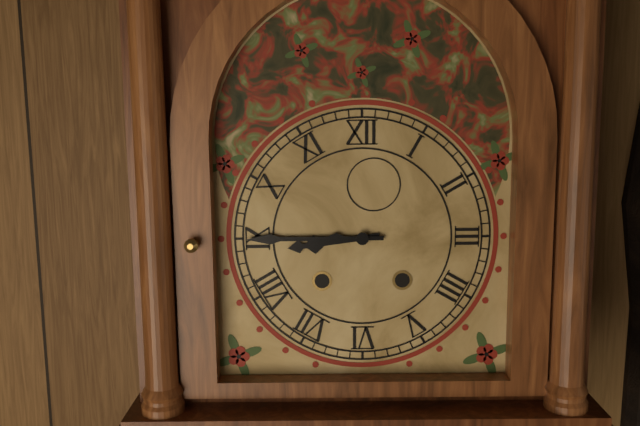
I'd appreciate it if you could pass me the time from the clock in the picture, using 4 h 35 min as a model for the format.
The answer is 8 h 45 min
